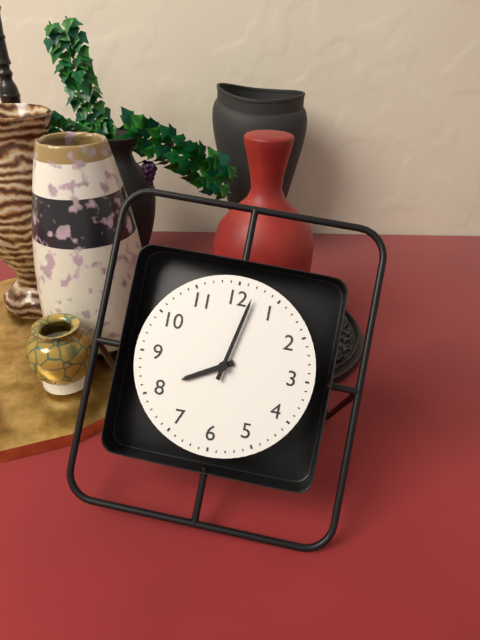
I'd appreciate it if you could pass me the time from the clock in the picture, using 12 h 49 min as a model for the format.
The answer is 8 h 02 min
